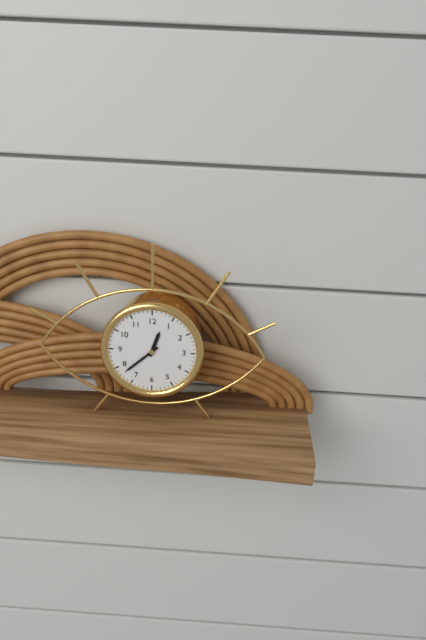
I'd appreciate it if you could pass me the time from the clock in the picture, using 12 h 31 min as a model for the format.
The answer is 12 h 38 min
